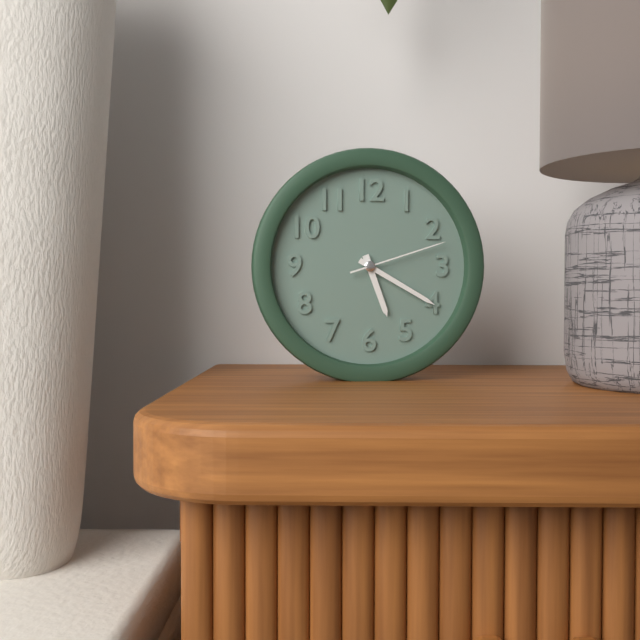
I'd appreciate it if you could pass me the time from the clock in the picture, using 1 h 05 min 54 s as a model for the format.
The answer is 5 h 20 min 12 s
